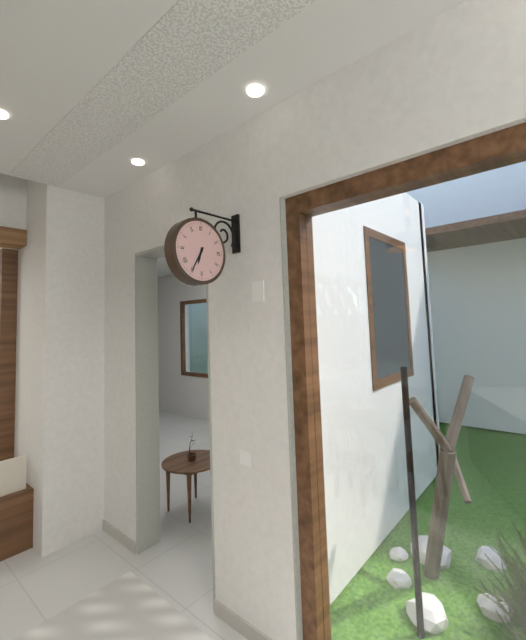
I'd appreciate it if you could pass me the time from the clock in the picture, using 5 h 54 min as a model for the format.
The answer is 6 h 35 min
